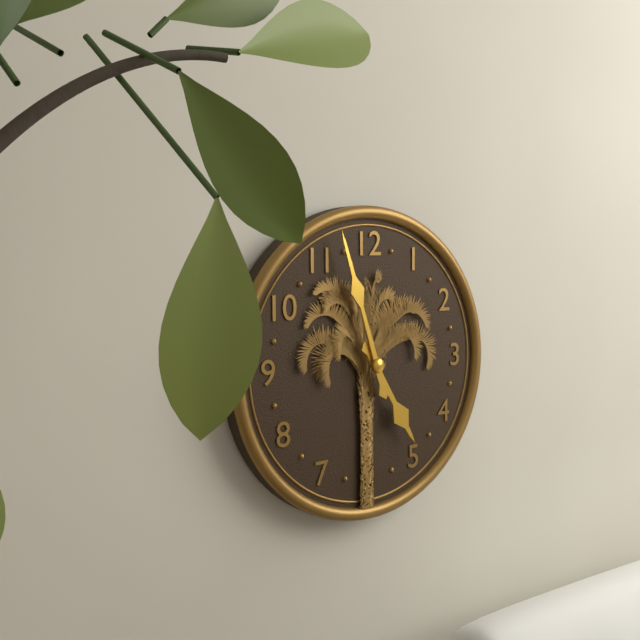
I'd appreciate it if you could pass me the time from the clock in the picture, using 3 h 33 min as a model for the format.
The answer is 4 h 57 min
